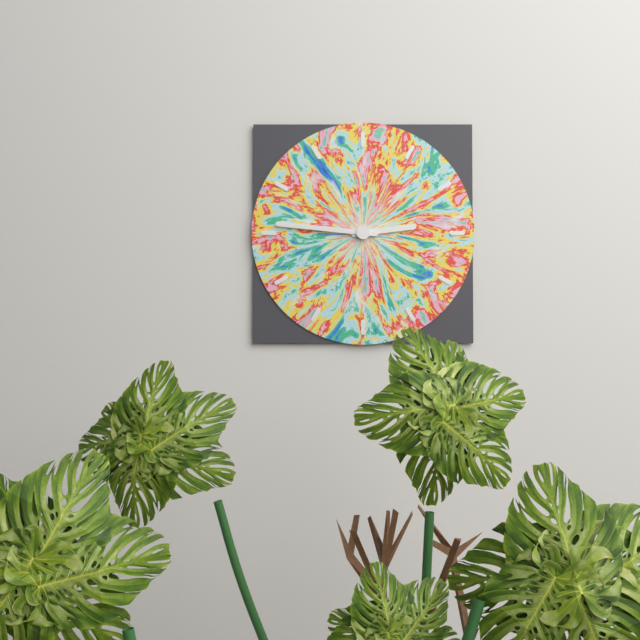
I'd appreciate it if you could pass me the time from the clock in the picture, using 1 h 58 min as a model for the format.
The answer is 2 h 46 min
